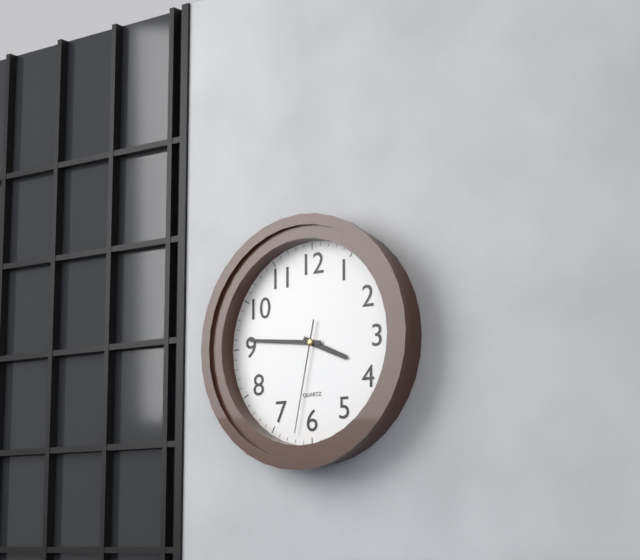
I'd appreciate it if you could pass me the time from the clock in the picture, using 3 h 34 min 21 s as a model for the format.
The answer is 3 h 46 min 32 s
